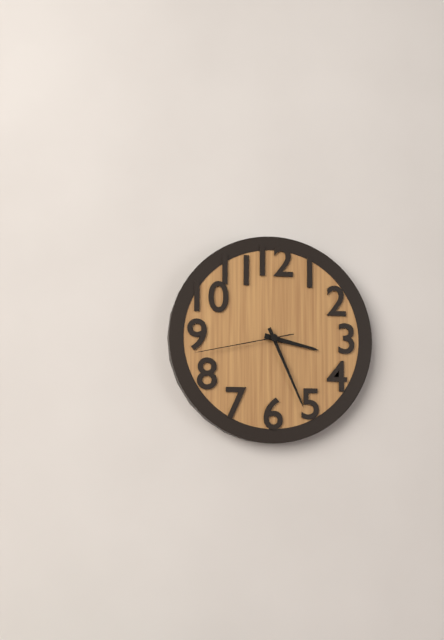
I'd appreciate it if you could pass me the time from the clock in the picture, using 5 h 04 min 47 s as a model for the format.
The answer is 3 h 26 min 43 s
